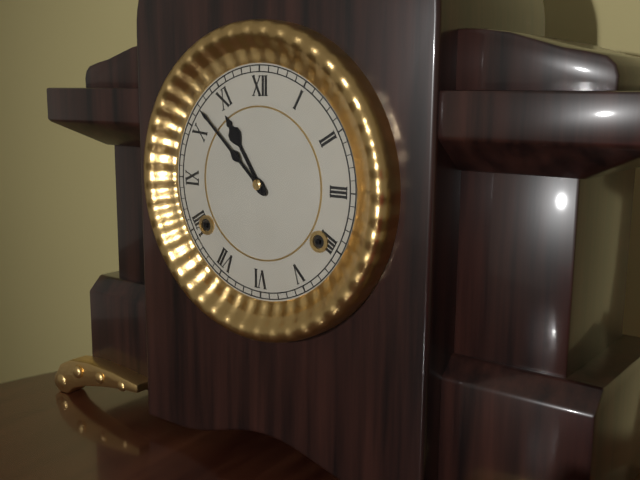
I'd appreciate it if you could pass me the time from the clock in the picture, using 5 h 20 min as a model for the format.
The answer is 10 h 52 min
